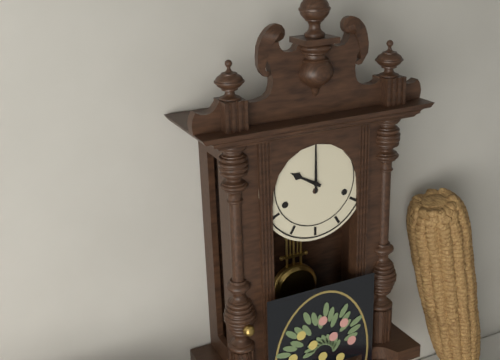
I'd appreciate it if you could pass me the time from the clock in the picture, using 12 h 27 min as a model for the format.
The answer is 10 h 00 min
